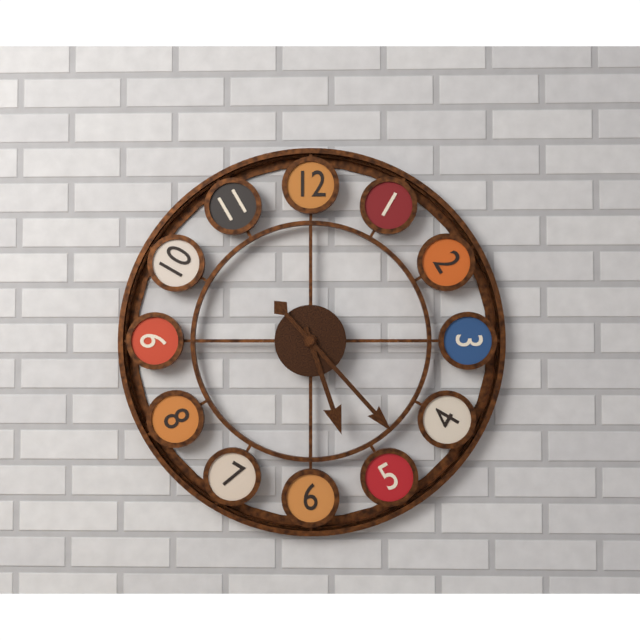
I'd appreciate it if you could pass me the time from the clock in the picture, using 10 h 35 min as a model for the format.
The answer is 5 h 23 min
